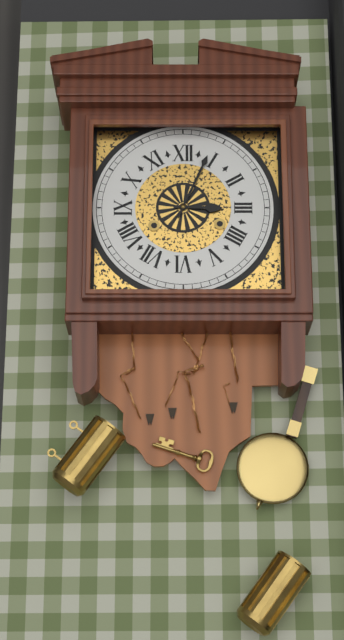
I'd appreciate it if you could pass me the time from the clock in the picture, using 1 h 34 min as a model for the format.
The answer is 3 h 04 min
